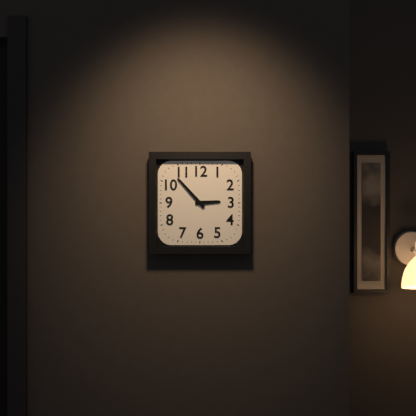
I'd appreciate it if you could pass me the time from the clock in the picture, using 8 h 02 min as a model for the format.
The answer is 2 h 53 min
